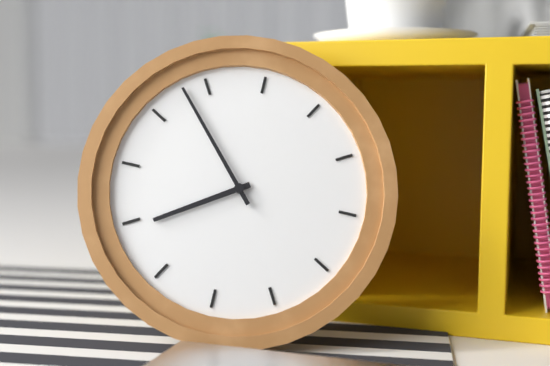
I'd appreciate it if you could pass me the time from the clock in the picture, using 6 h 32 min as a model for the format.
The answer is 7 h 53 min
